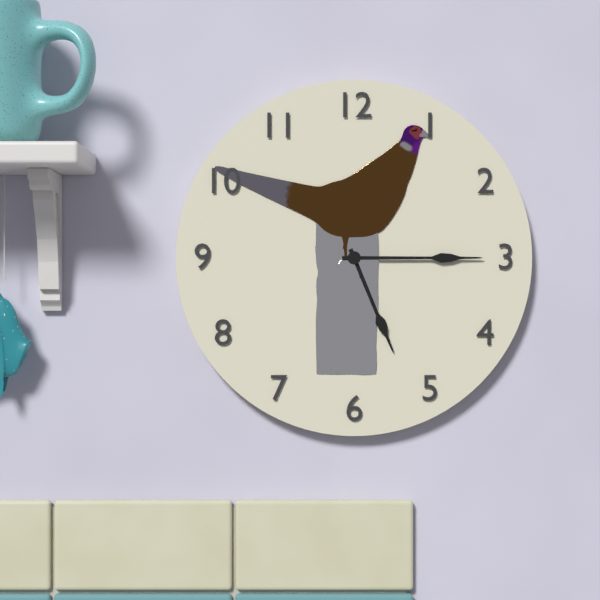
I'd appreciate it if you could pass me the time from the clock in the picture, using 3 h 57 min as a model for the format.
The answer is 5 h 15 min
